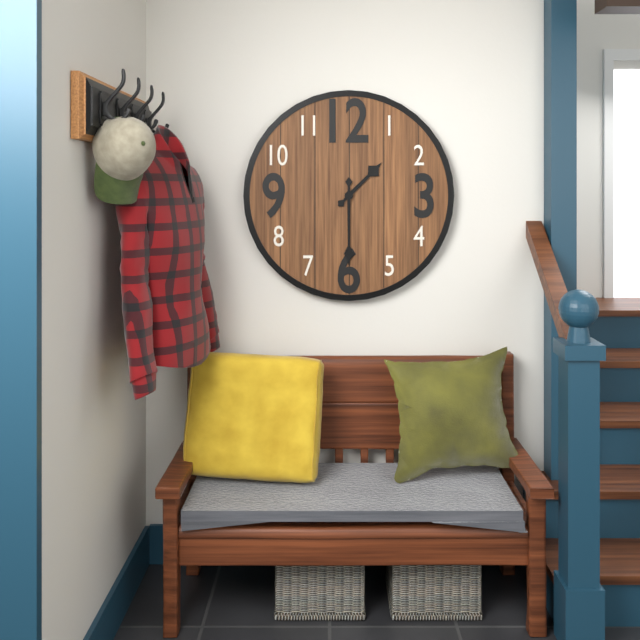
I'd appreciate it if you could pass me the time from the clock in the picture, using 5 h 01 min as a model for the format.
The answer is 1 h 30 min
